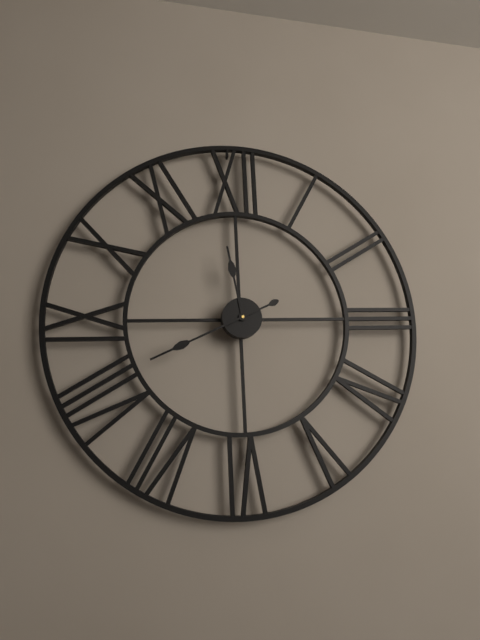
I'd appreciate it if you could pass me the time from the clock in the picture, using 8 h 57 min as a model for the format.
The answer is 11 h 41 min
